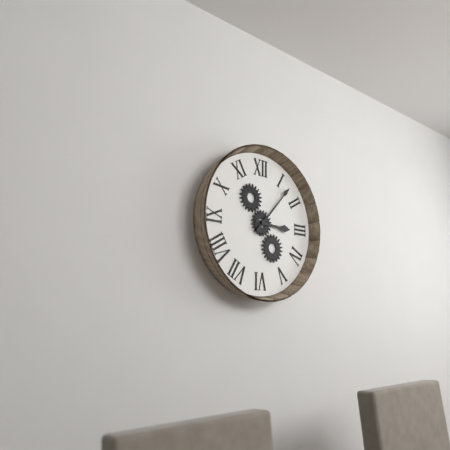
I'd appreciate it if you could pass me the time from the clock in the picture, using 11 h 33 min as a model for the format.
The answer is 3 h 07 min
